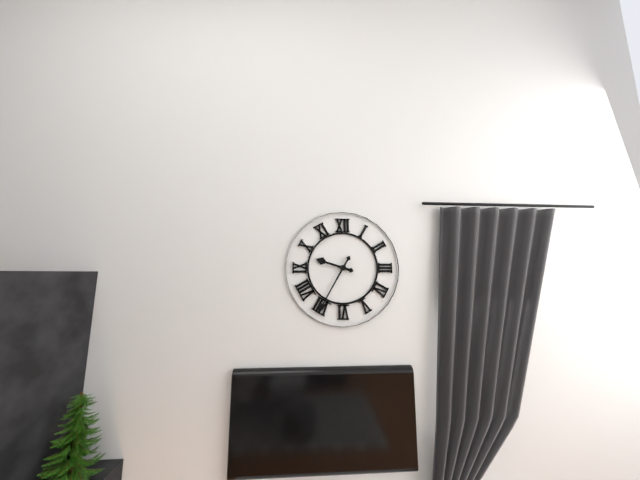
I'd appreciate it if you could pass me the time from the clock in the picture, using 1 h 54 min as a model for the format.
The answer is 9 h 35 min
